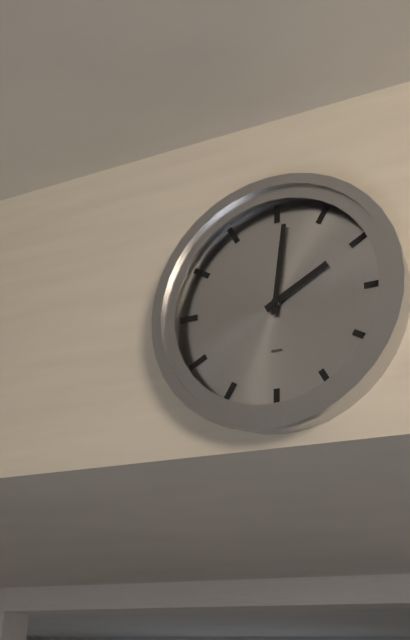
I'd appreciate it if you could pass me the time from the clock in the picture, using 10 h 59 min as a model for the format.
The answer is 2 h 01 min
